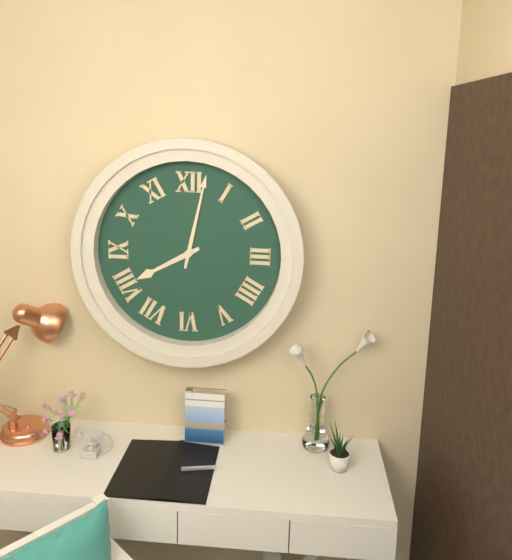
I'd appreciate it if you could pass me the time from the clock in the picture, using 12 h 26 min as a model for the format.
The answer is 8 h 02 min
